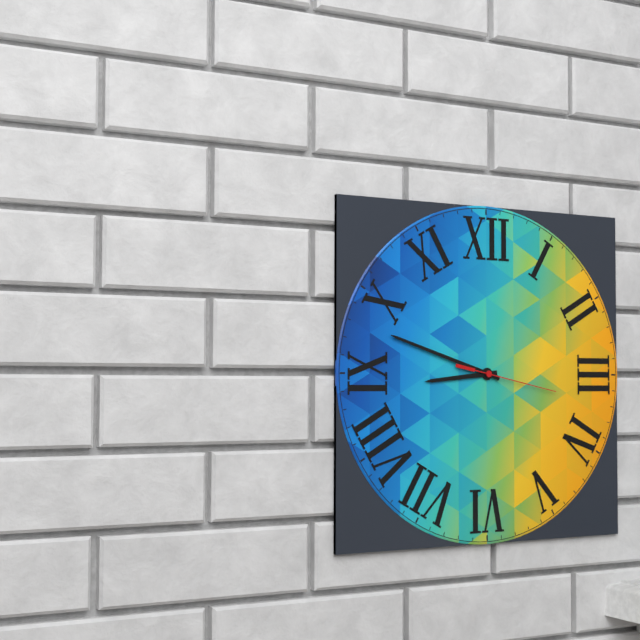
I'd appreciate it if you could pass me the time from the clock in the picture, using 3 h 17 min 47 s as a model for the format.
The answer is 8 h 48 min 17 s
